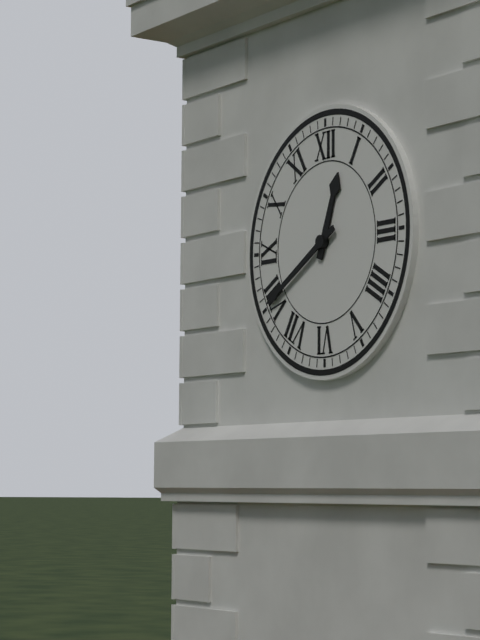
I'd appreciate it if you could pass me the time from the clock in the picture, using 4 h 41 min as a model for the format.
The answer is 12 h 40 min
